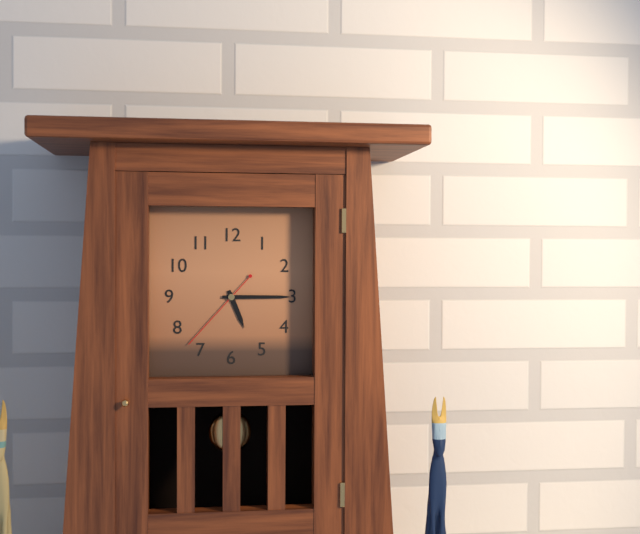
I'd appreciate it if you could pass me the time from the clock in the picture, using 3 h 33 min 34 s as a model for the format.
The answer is 5 h 15 min 37 s
